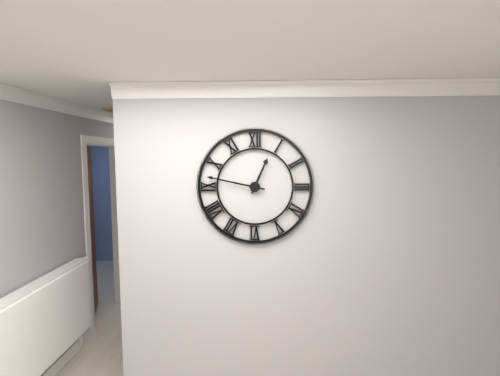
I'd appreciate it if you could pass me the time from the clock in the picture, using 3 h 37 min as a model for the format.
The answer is 12 h 47 min
